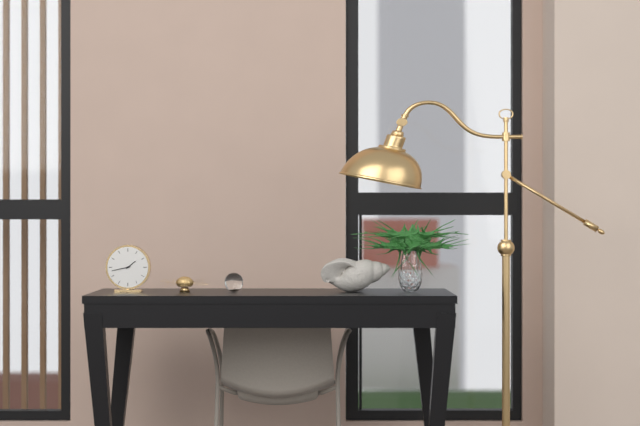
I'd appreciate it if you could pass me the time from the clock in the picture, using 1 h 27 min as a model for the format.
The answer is 1 h 43 min
